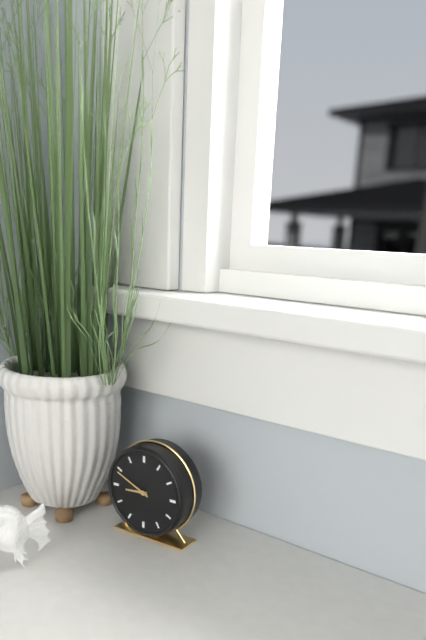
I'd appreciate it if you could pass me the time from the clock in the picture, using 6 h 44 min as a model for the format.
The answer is 8 h 49 min
